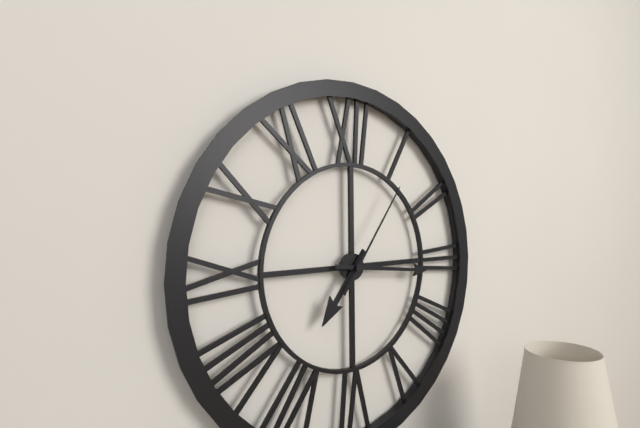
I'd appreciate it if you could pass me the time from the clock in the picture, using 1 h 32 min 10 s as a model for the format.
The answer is 7 h 16 min 06 s
